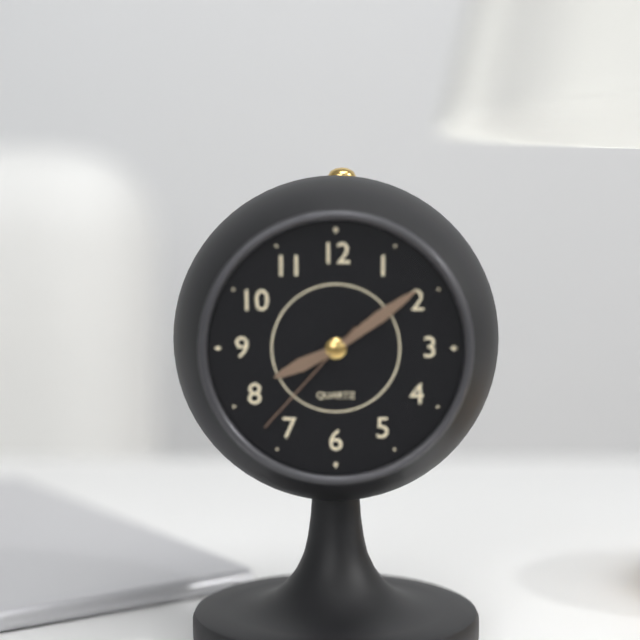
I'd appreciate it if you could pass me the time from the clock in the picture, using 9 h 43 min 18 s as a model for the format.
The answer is 8 h 09 min 37 s
